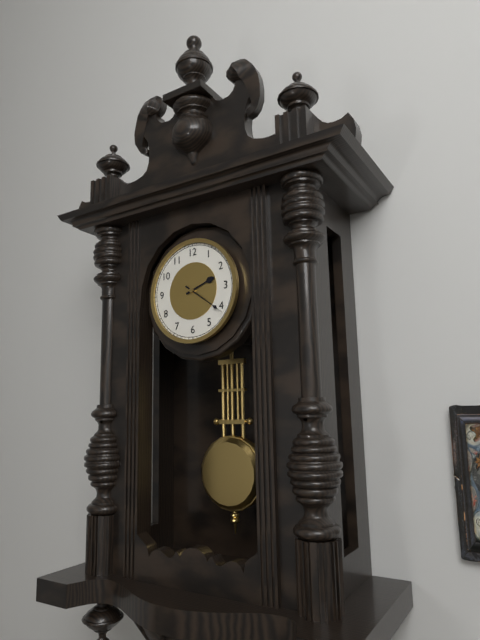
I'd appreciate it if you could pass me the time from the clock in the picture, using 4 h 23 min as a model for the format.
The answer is 2 h 21 min
